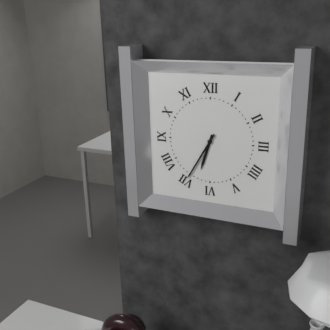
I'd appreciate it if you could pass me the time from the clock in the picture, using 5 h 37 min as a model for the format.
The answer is 6 h 35 min
